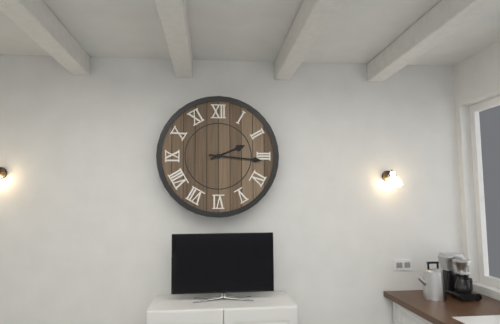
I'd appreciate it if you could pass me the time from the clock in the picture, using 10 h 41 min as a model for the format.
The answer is 2 h 16 min
